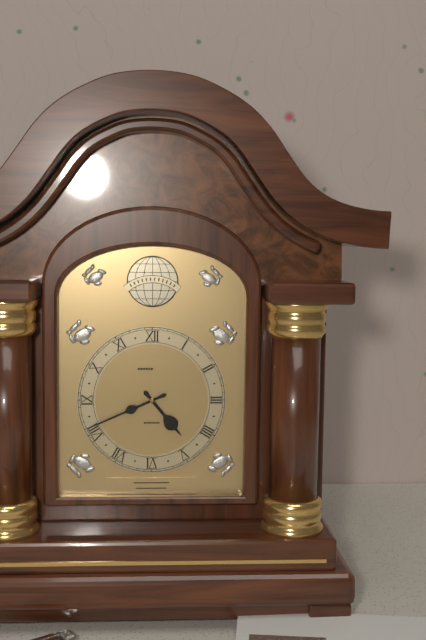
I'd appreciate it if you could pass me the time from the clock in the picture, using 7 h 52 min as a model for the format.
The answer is 4 h 41 min
